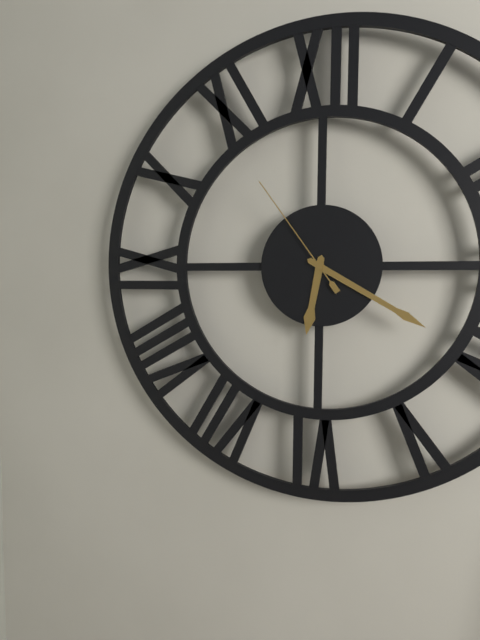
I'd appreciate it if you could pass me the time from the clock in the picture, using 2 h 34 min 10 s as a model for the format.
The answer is 6 h 20 min 54 s
